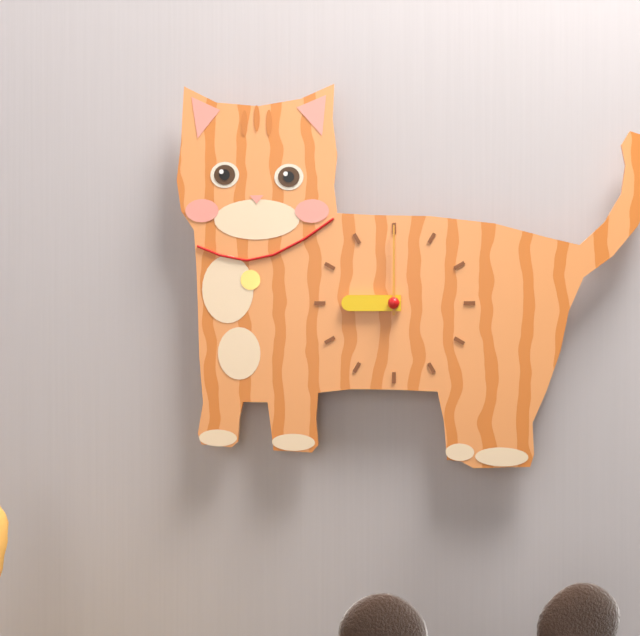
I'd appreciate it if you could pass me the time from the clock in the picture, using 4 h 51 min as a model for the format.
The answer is 9 h 00 min
